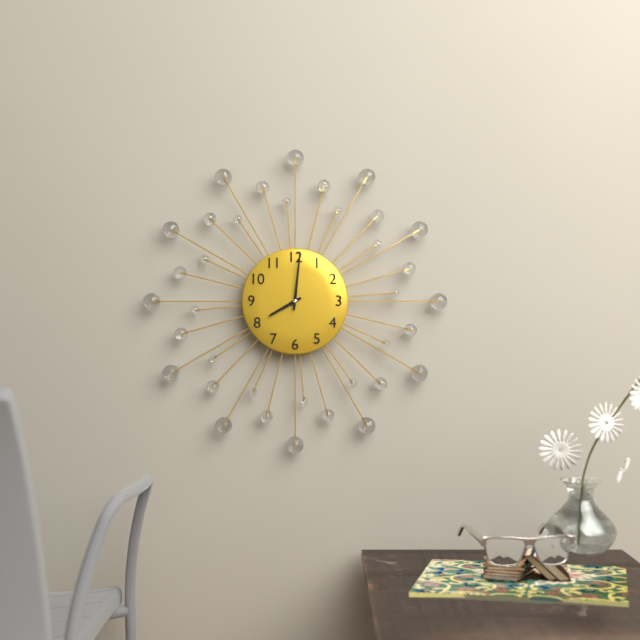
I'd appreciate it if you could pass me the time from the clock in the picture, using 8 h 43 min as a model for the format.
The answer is 8 h 01 min
